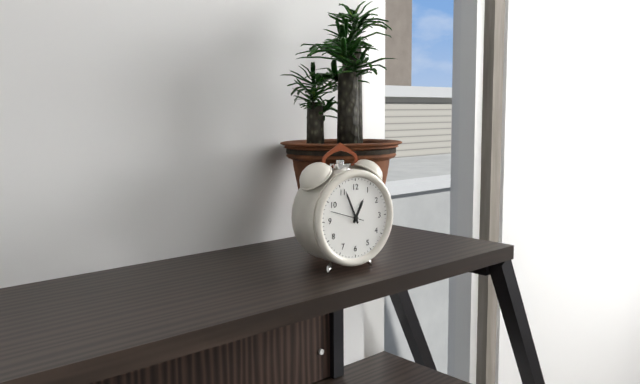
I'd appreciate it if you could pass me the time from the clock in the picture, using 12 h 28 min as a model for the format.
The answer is 12 h 56 min
